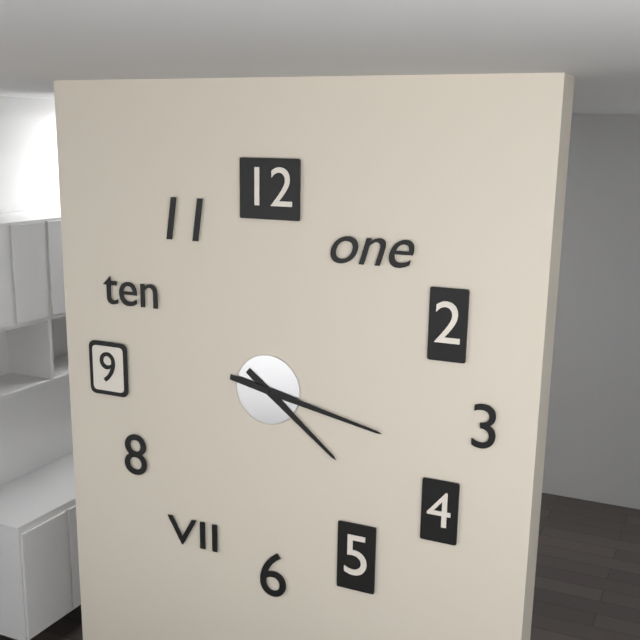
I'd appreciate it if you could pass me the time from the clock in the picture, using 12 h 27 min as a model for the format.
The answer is 4 h 17 min
